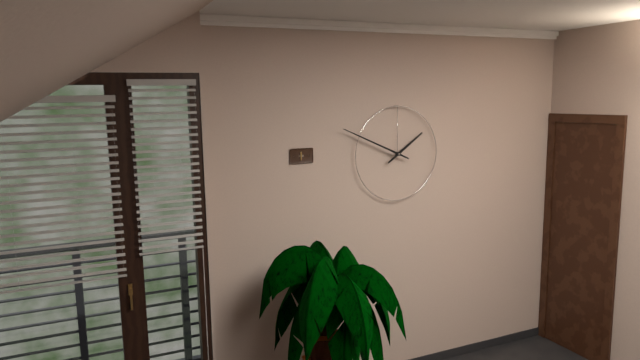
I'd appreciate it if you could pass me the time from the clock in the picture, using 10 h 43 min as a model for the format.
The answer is 1 h 49 min
